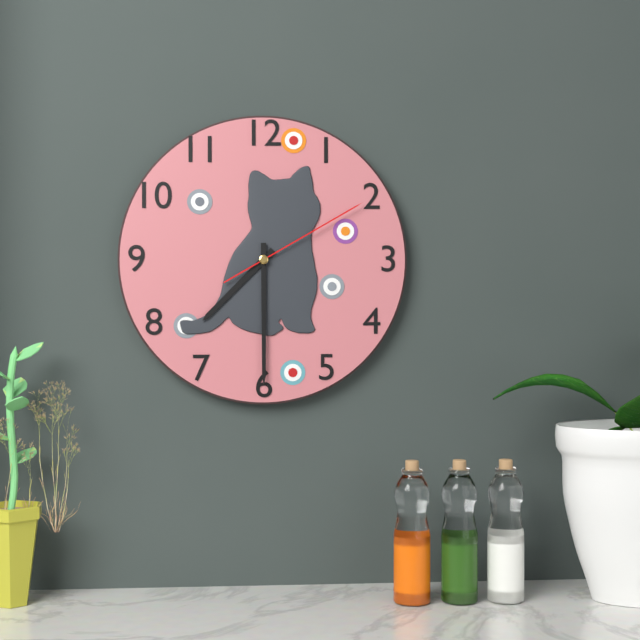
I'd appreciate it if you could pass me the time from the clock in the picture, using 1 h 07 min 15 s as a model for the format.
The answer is 7 h 30 min 10 s
